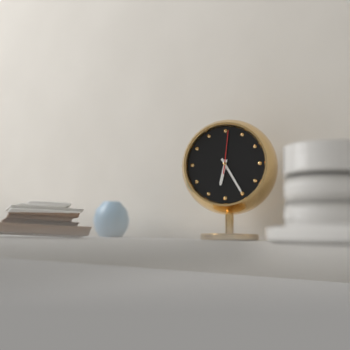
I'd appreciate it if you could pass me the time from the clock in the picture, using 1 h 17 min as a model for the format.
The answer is 6 h 25 min
